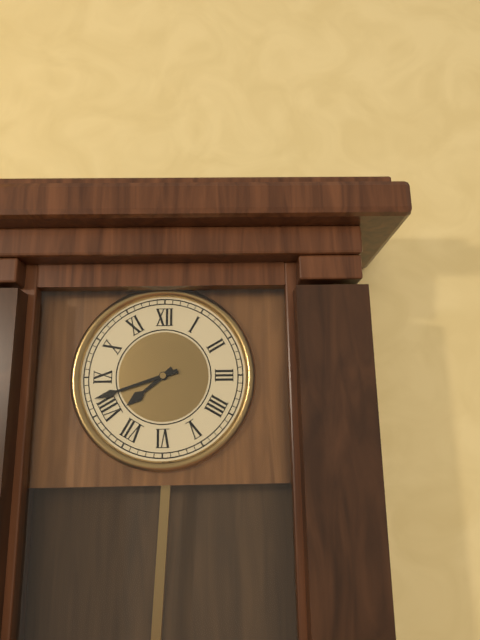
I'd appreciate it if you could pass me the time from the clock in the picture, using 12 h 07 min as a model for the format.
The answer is 7 h 42 min
